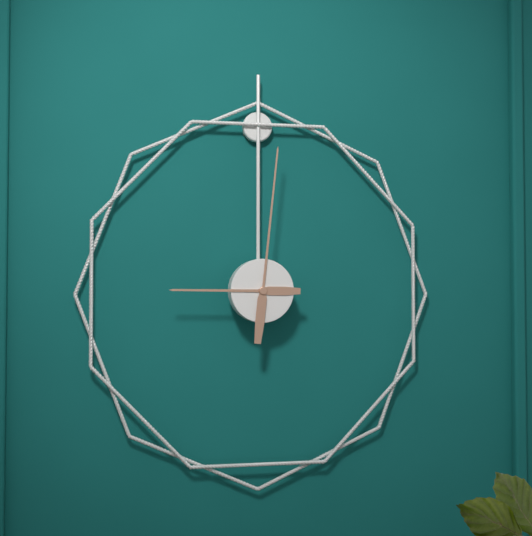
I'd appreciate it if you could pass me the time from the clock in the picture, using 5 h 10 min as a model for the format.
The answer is 9 h 01 min
